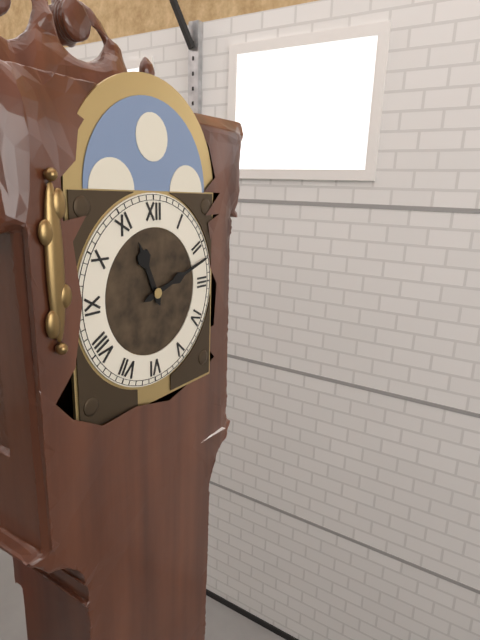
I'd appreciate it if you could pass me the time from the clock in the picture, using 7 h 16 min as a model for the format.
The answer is 11 h 12 min
